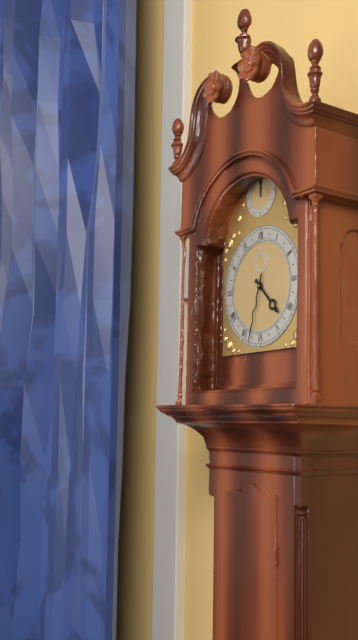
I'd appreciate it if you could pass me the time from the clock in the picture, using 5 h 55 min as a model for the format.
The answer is 4 h 33 min
